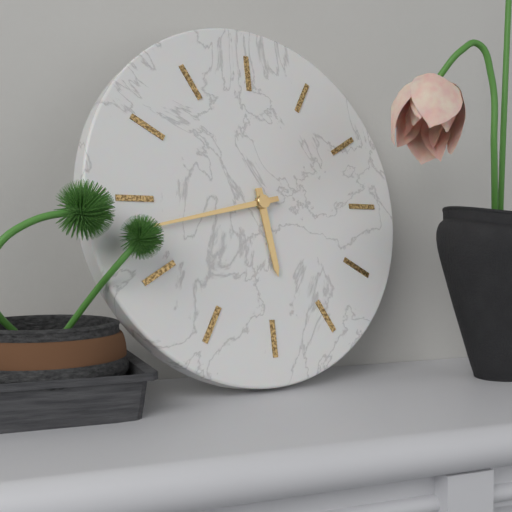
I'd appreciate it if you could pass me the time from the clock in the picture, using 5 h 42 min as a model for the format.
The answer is 5 h 43 min
